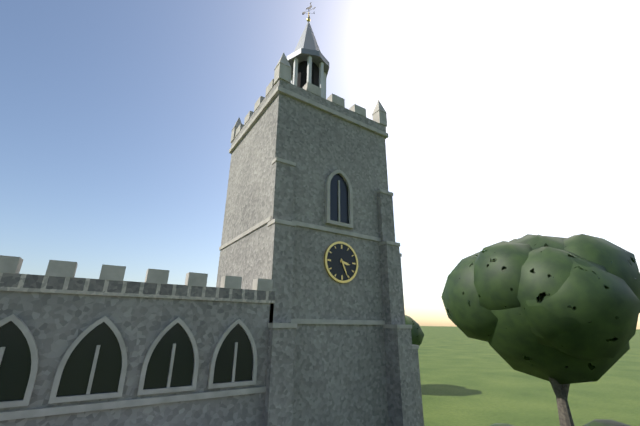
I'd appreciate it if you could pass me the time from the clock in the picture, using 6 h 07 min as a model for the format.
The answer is 3 h 26 min
